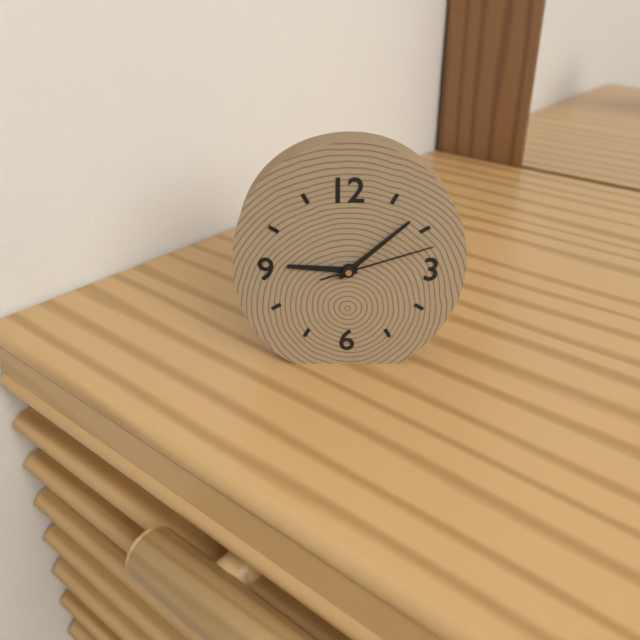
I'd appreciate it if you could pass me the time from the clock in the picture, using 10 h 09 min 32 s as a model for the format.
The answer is 9 h 08 min 12 s
